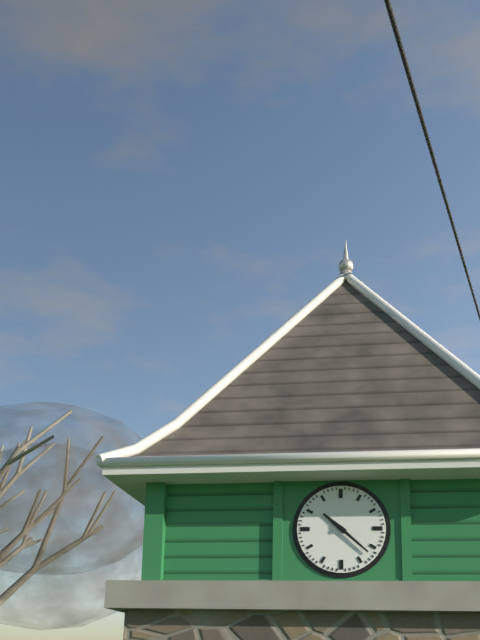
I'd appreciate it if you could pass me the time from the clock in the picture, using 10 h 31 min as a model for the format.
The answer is 10 h 22 min
